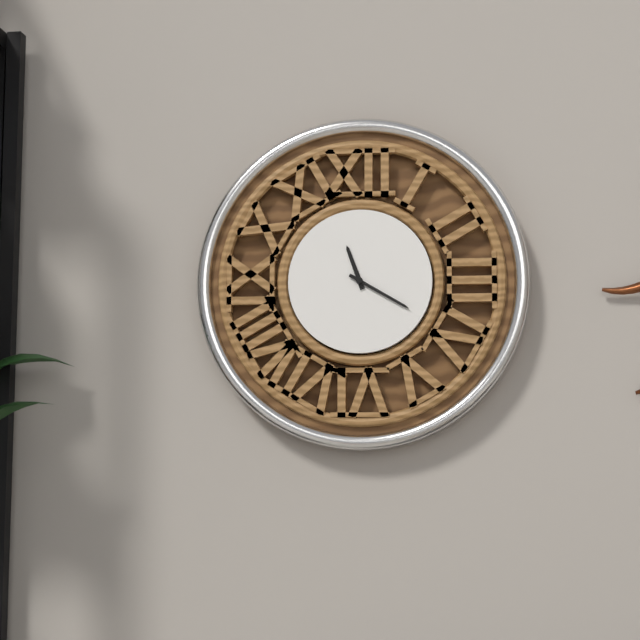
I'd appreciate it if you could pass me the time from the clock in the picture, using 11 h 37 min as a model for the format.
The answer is 11 h 20 min
